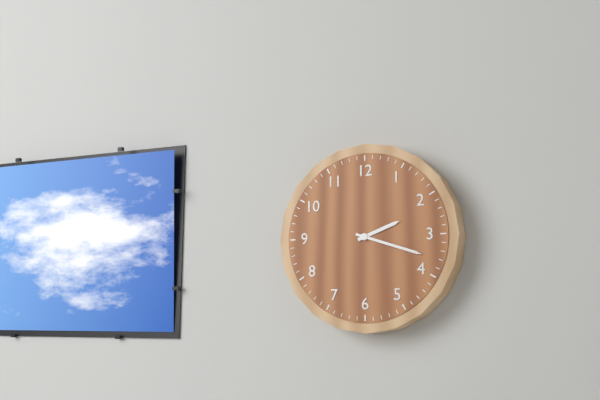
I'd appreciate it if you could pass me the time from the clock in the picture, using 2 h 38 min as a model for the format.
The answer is 2 h 18 min
